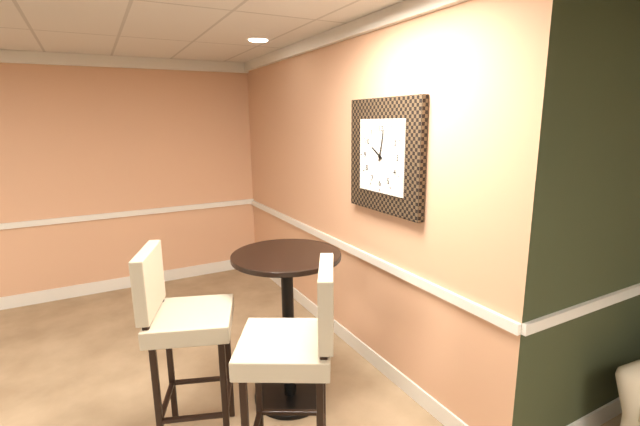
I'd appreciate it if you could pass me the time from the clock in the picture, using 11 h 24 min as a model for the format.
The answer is 10 h 02 min
